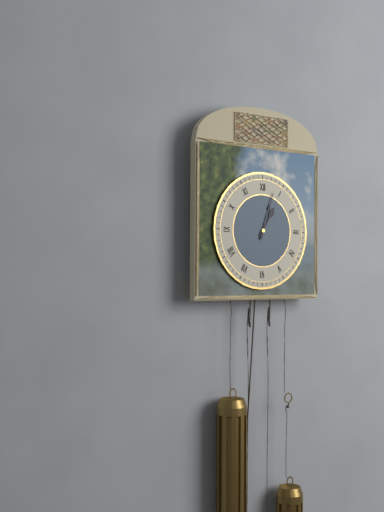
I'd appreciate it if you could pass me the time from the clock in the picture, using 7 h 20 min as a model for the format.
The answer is 1 h 03 min
